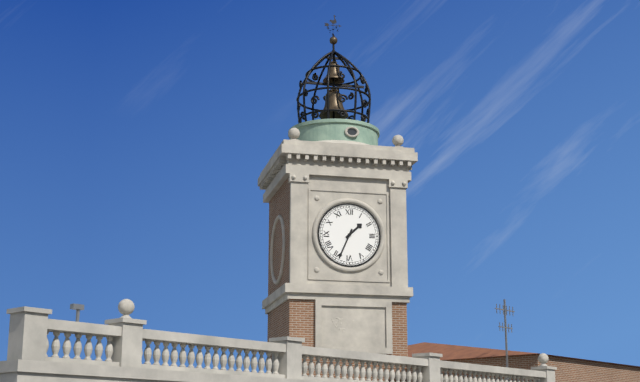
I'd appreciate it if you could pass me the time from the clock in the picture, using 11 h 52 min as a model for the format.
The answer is 1 h 34 min
